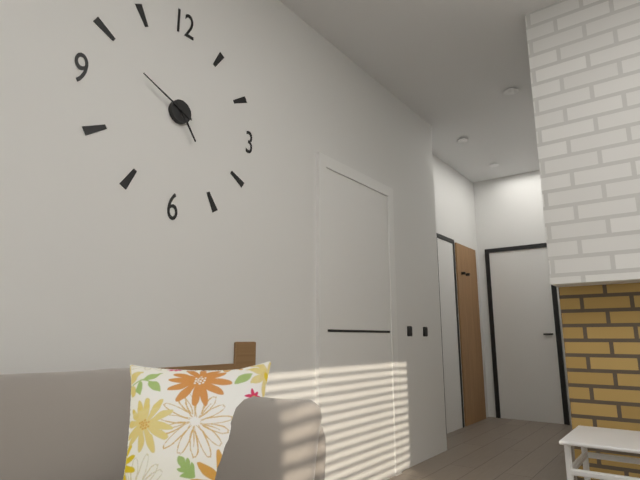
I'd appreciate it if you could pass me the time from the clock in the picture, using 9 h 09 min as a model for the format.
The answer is 4 h 49 min
